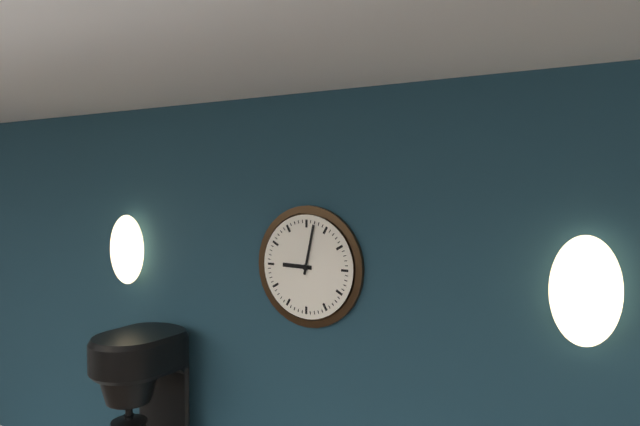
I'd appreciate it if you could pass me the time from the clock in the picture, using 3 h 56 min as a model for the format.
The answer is 9 h 02 min
